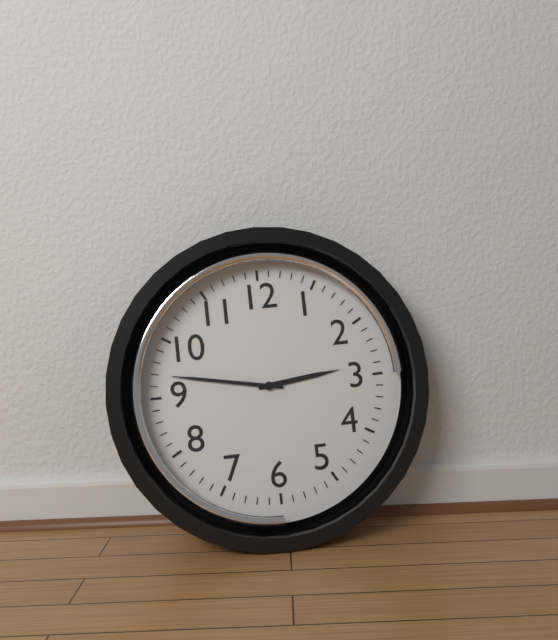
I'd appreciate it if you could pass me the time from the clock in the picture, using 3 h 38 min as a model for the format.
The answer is 2 h 47 min
